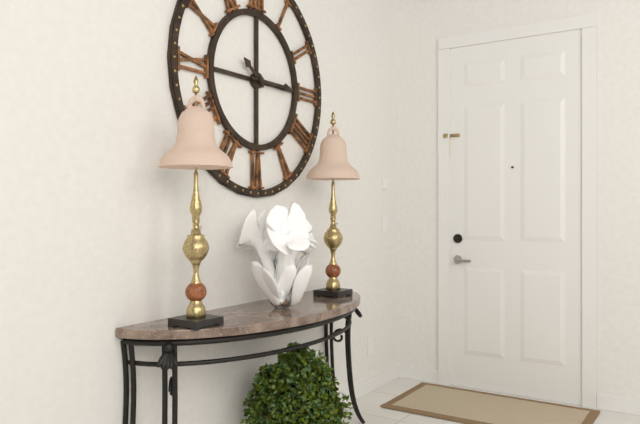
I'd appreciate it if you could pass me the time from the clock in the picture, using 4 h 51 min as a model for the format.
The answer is 10 h 15 min
